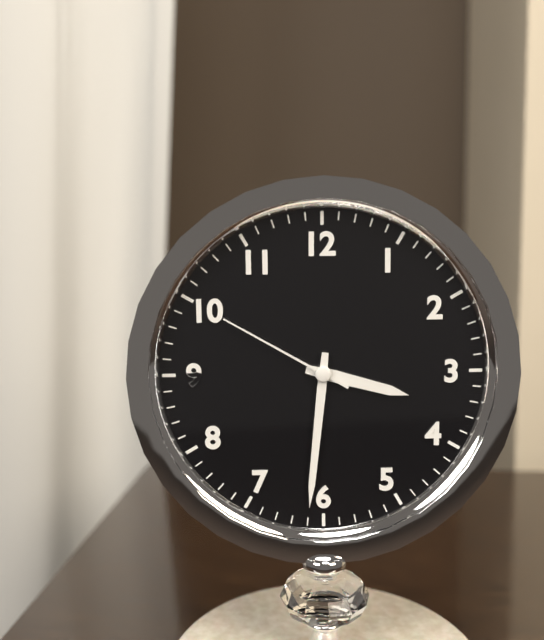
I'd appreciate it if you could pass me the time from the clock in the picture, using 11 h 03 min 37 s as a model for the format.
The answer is 3 h 31 min 50 s
